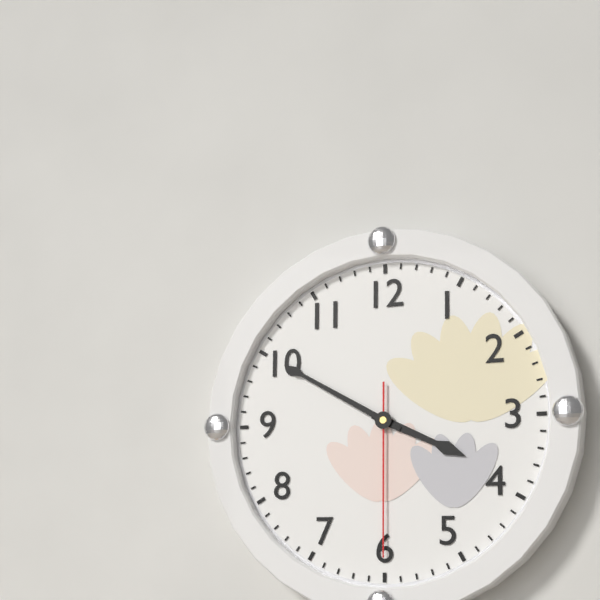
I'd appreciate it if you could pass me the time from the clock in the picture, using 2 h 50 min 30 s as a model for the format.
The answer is 3 h 50 min 30 s
